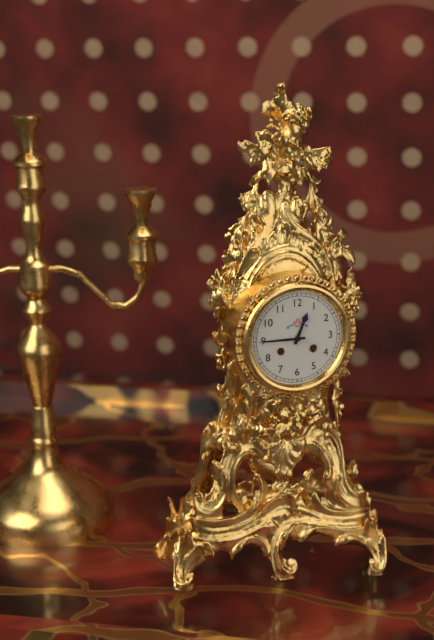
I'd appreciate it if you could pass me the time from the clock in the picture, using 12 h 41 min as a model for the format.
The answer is 12 h 45 min
